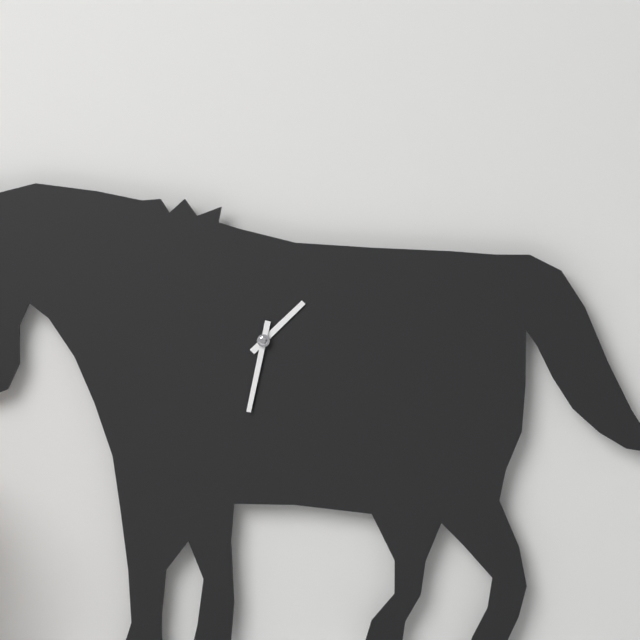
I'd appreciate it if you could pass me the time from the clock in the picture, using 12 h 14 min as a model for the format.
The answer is 1 h 32 min
